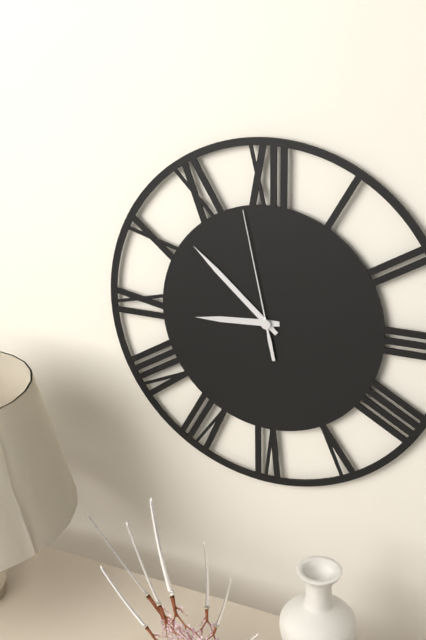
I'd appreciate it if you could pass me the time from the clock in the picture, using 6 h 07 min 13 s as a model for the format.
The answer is 8 h 52 min 58 s
